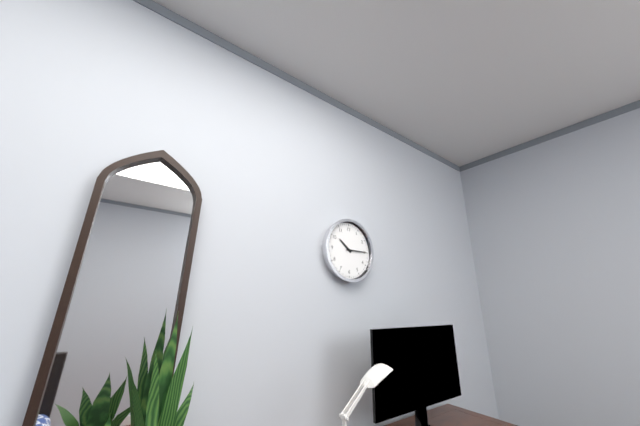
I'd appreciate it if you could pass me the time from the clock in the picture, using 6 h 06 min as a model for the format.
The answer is 10 h 15 min
